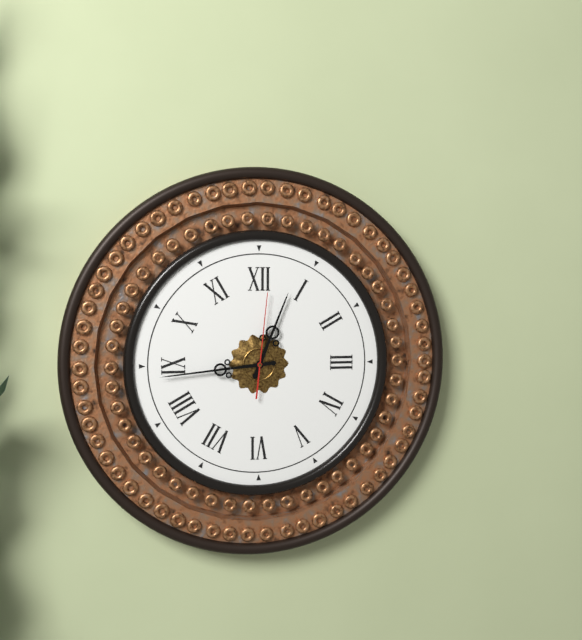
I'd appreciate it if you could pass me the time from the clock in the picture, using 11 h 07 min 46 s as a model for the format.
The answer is 12 h 44 min 01 s
